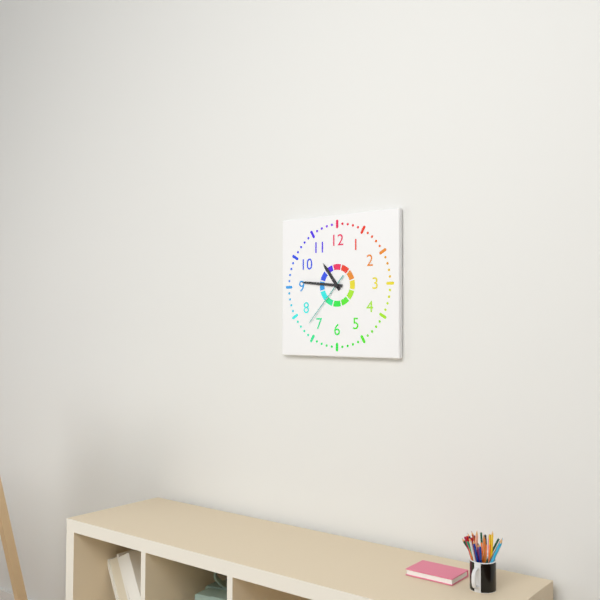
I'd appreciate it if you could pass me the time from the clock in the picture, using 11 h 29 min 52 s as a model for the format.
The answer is 10 h 46 min 37 s
